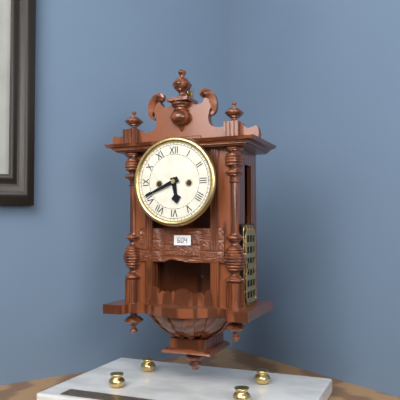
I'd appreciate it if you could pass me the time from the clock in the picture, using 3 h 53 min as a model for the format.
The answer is 5 h 41 min
